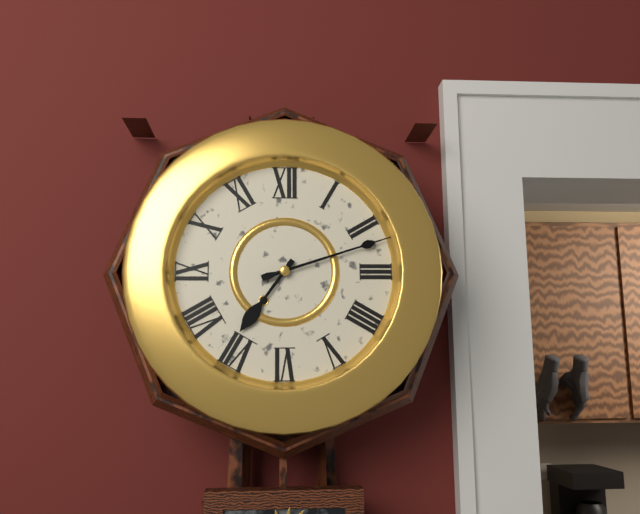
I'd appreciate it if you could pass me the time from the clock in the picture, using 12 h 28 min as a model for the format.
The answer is 7 h 12 min
